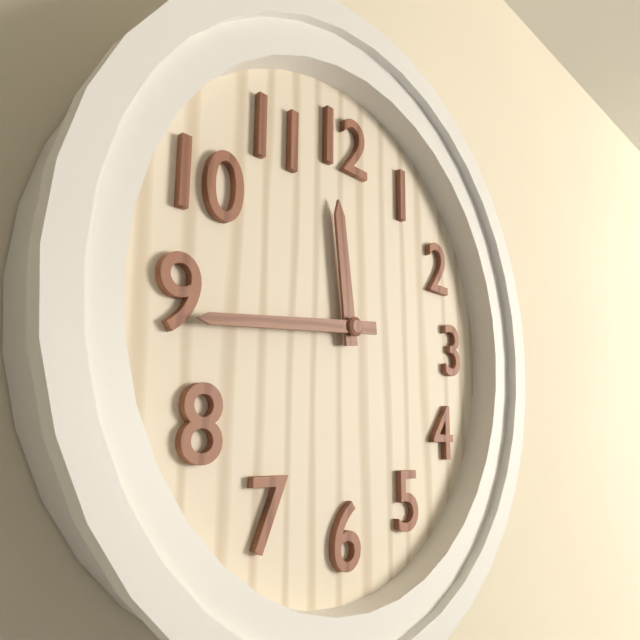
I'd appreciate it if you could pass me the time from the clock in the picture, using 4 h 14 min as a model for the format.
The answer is 11 h 44 min
